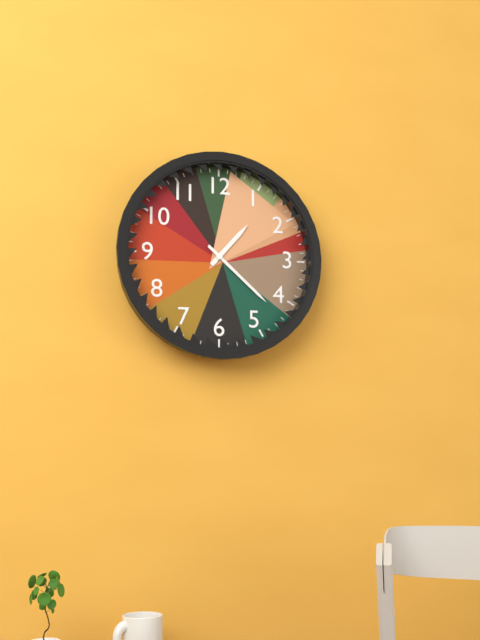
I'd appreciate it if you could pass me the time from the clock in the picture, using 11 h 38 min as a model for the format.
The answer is 1 h 22 min
